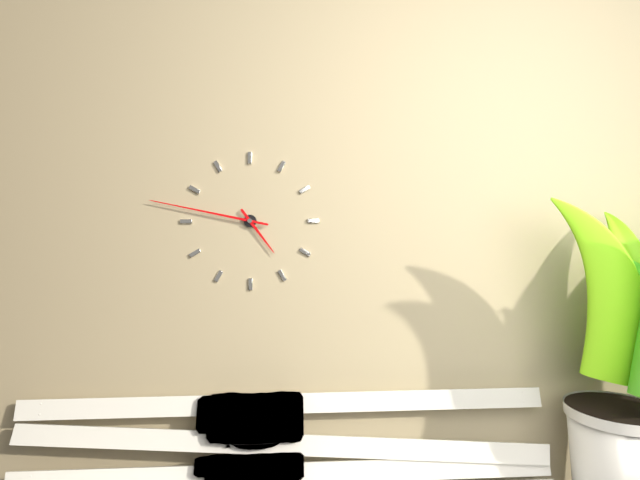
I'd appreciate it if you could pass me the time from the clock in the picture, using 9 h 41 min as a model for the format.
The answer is 4 h 47 min
